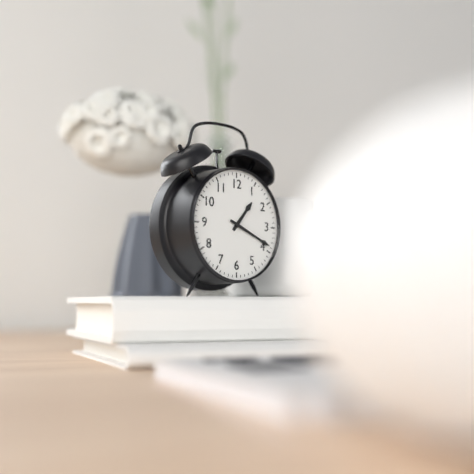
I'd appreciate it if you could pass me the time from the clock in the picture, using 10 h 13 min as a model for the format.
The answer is 1 h 19 min
